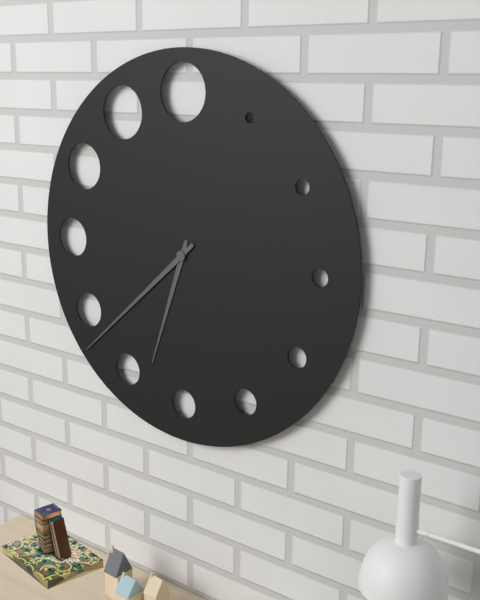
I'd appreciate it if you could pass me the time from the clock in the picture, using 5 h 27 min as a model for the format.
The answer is 6 h 38 min
